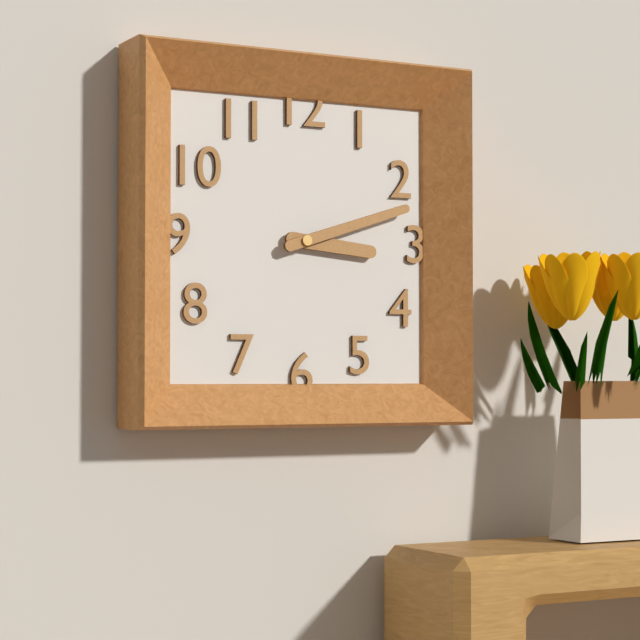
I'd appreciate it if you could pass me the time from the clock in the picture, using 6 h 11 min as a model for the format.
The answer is 3 h 12 min
